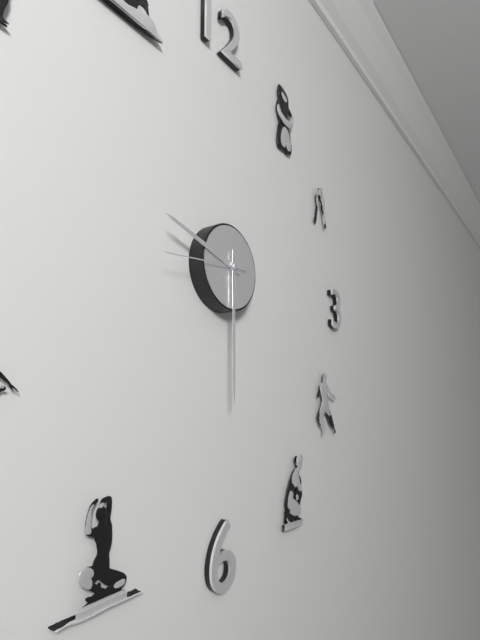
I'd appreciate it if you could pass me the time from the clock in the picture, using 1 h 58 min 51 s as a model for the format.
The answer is 9 h 30 min 44 s
